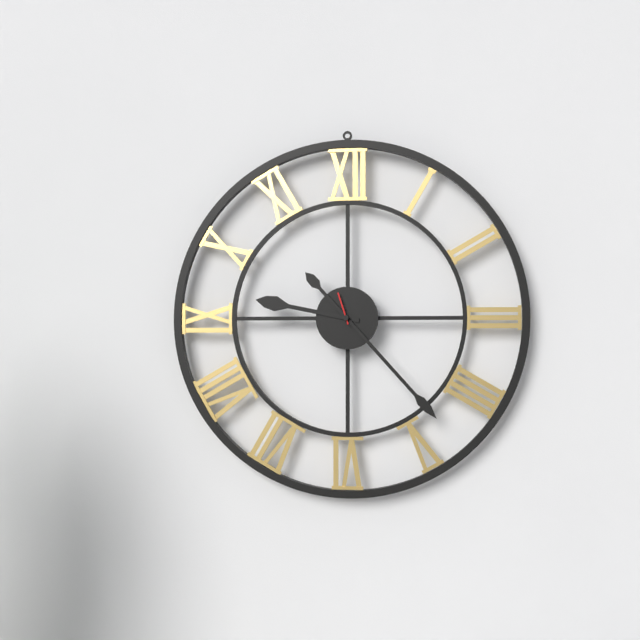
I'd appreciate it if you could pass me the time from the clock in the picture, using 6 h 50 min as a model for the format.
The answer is 9 h 23 min
